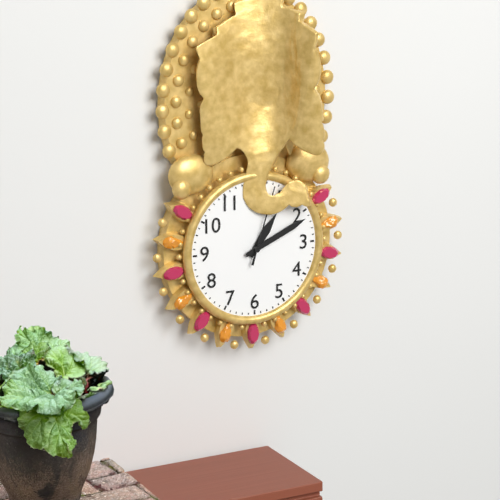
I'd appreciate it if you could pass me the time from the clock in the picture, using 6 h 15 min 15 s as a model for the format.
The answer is 1 h 11 min 03 s
